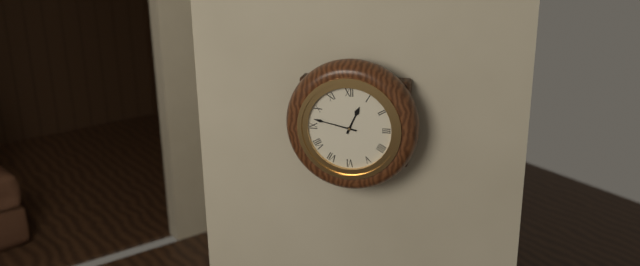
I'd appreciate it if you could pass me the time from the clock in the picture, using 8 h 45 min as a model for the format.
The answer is 12 h 47 min
